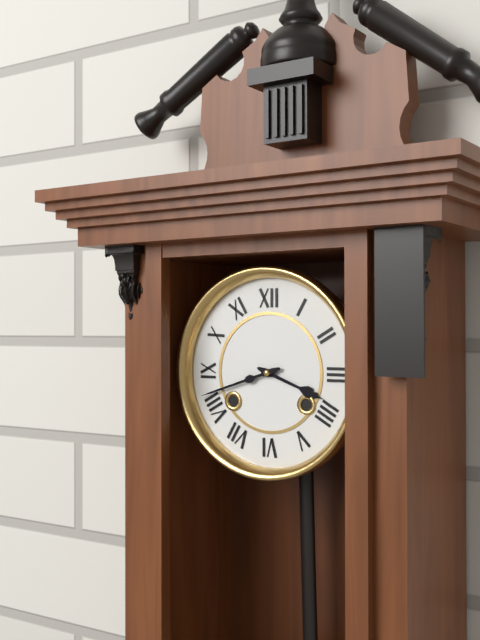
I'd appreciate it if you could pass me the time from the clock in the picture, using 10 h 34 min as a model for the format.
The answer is 3 h 42 min
